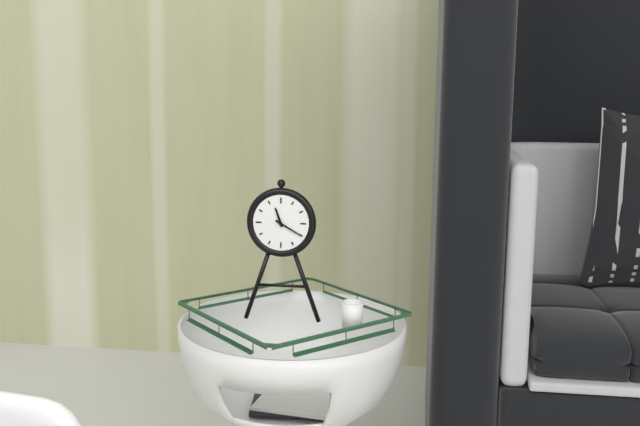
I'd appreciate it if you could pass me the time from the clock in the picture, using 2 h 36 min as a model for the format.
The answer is 11 h 20 min
